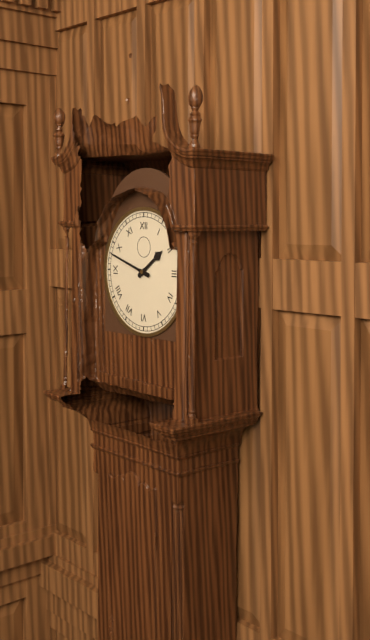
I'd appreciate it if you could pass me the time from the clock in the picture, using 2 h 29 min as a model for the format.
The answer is 1 h 48 min
